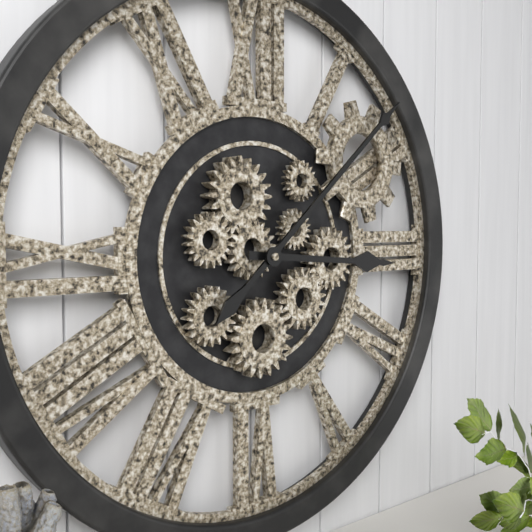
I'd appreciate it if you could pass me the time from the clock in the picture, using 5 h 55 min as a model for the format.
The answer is 3 h 08 min
